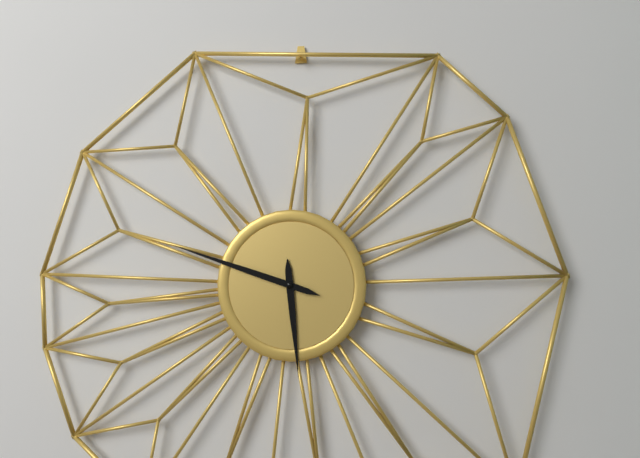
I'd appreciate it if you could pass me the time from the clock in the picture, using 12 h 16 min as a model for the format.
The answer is 5 h 48 min
